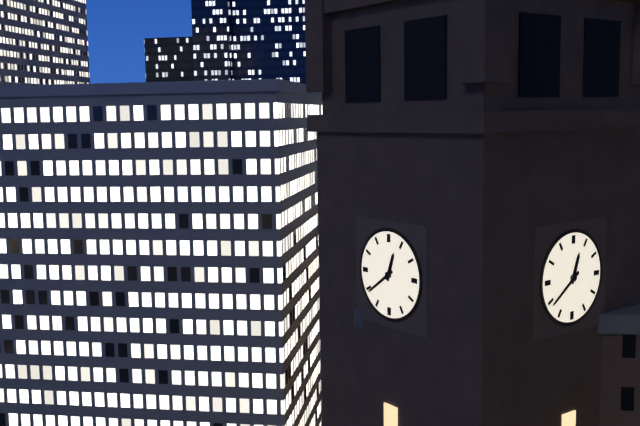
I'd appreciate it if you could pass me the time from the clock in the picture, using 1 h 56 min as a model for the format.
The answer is 12 h 39 min
